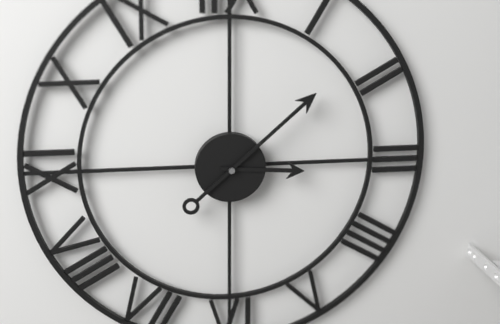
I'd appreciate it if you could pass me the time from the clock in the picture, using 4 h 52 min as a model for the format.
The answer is 3 h 08 min
